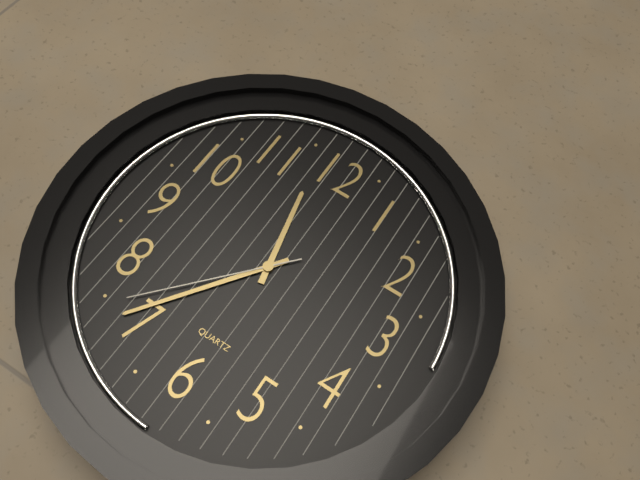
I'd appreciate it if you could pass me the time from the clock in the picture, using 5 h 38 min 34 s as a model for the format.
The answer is 11 h 36 min 37 s
